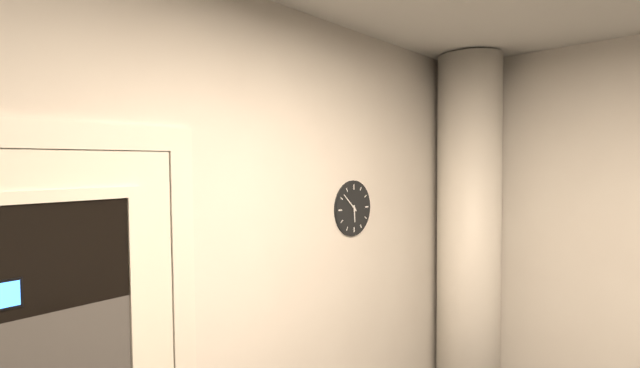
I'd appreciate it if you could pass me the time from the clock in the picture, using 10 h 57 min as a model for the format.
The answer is 5 h 52 min
